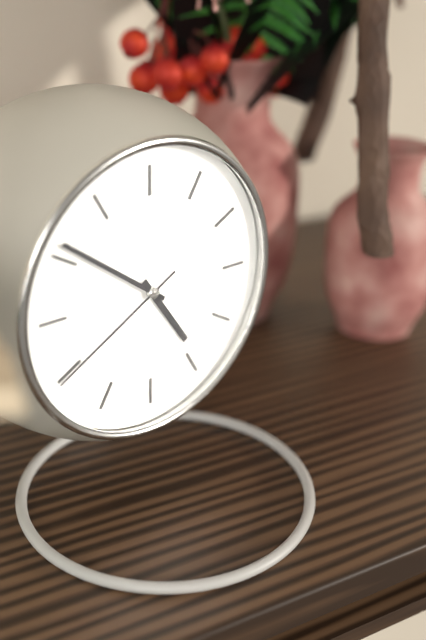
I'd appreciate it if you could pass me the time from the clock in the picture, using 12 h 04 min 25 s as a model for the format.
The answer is 4 h 51 min 40 s
